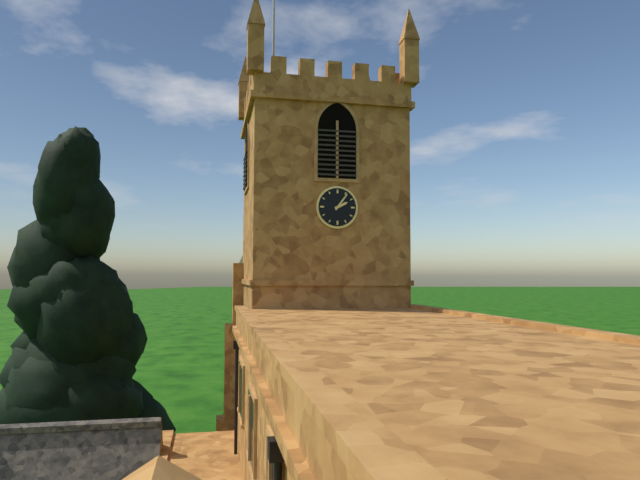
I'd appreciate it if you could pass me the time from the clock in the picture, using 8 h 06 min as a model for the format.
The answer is 2 h 06 min
